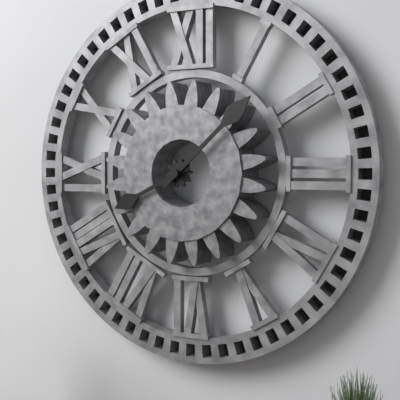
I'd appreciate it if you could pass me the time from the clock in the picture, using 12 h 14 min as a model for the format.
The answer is 8 h 08 min
